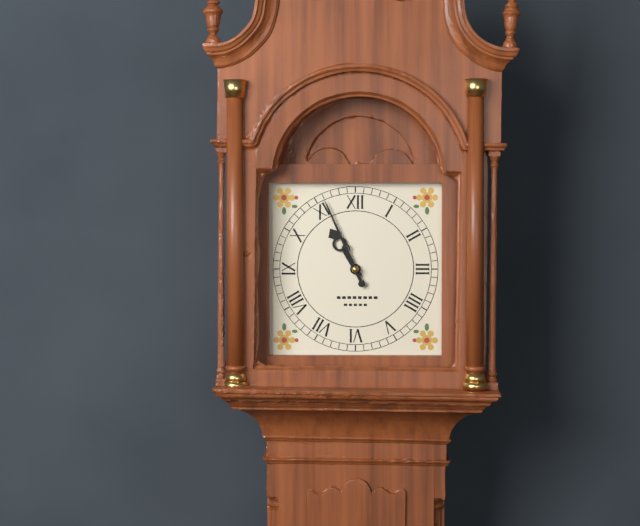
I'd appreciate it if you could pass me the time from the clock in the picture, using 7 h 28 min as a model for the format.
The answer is 10 h 56 min
